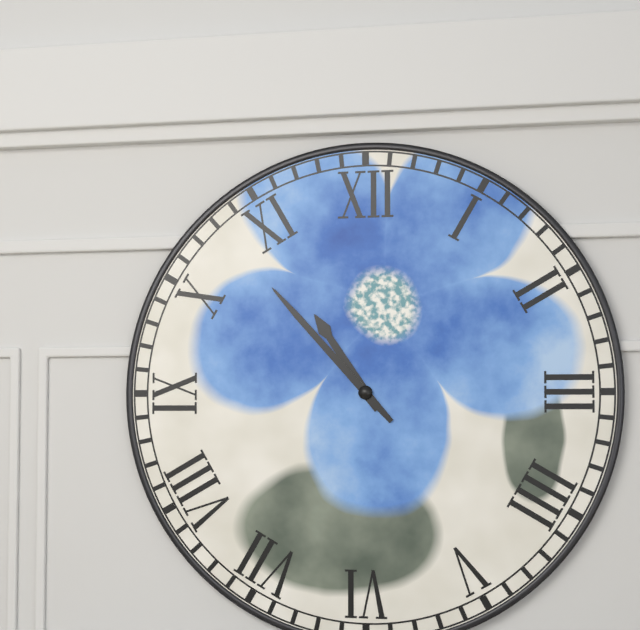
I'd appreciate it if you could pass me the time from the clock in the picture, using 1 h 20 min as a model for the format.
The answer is 10 h 53 min
